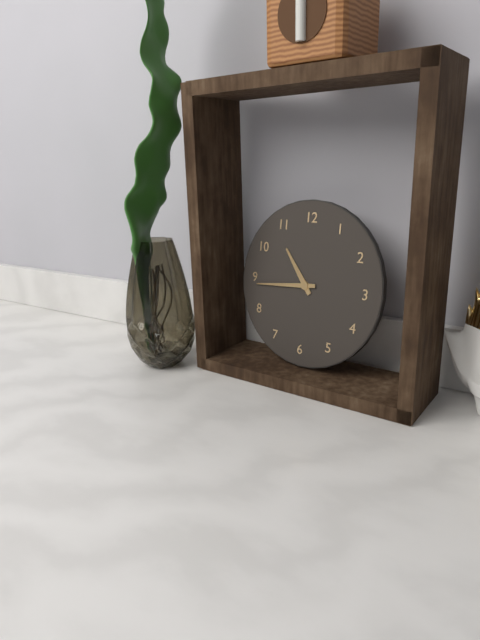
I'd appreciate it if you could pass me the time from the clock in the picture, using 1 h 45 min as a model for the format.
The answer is 10 h 44 min
